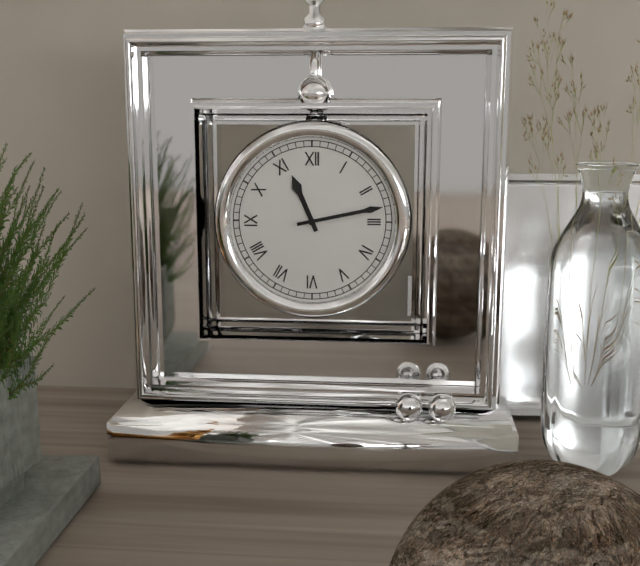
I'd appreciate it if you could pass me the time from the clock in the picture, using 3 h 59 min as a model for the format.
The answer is 11 h 13 min
